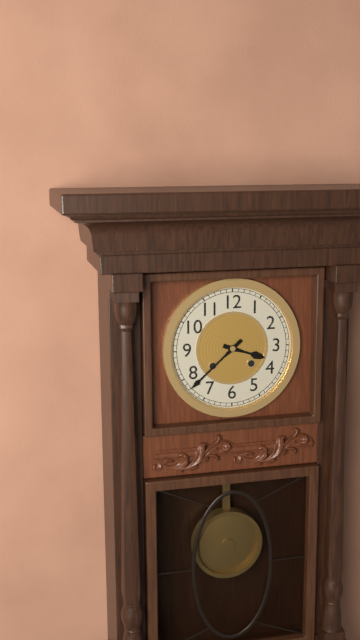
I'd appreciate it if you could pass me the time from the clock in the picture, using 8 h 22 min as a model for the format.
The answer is 3 h 38 min
